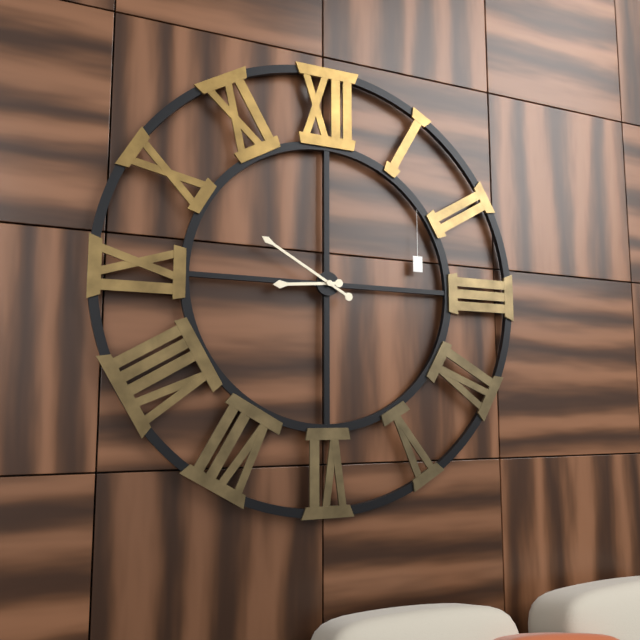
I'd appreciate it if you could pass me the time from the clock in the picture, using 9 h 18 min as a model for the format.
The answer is 8 h 50 min
